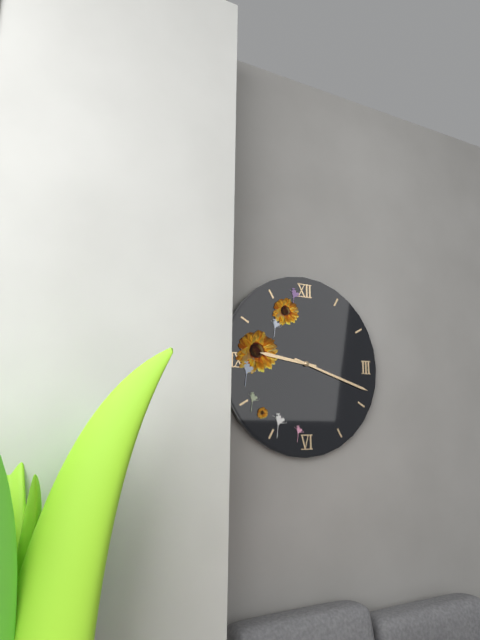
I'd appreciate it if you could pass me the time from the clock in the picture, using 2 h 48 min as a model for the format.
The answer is 9 h 18 min
